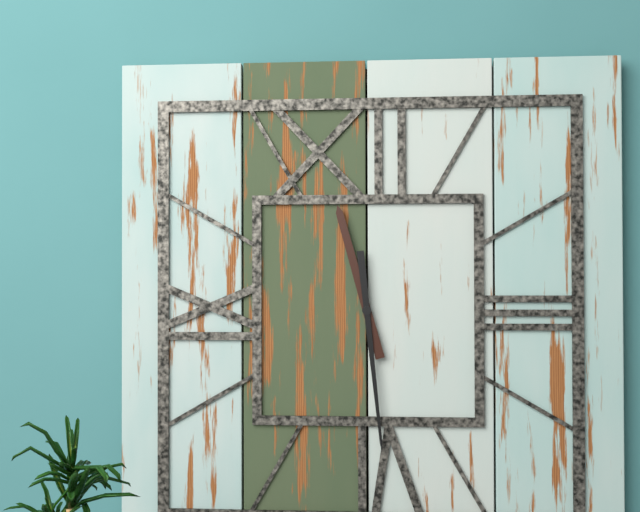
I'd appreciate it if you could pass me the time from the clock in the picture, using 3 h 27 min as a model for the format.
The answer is 11 h 29 min
